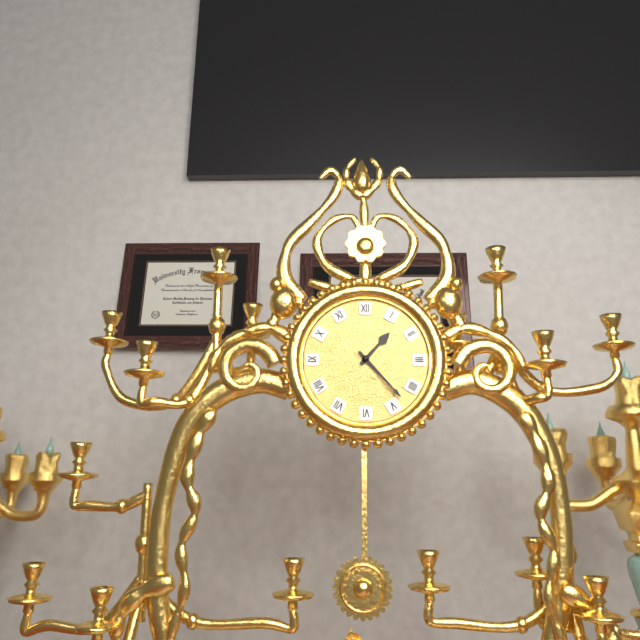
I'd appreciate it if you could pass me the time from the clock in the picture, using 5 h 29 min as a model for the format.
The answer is 1 h 23 min
